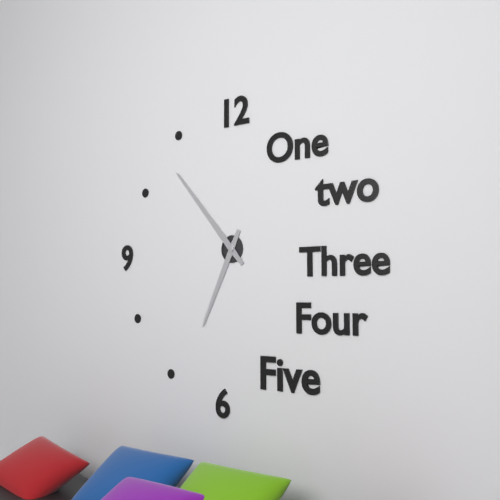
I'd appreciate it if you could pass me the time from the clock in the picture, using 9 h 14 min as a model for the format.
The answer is 6 h 53 min
